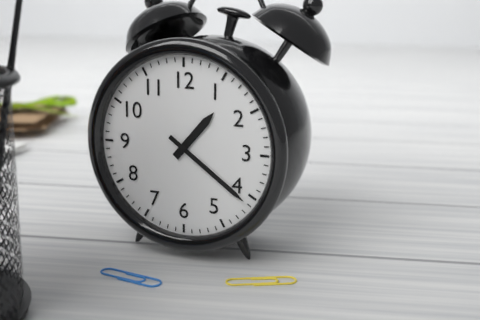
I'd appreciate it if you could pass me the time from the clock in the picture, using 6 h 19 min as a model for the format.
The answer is 1 h 21 min
